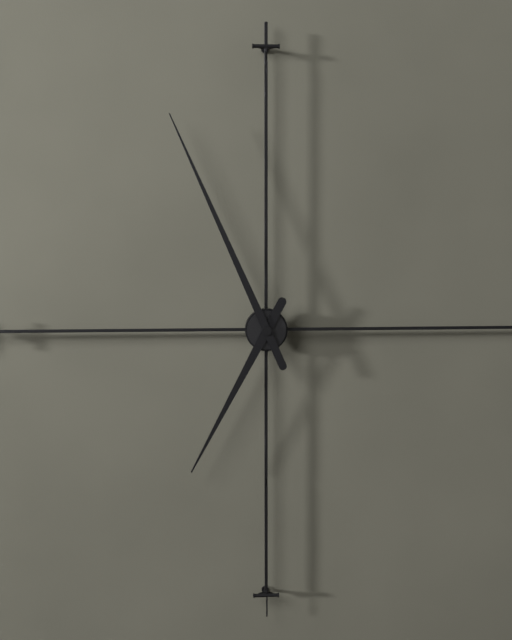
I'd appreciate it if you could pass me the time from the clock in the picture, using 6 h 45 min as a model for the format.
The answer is 6 h 56 min
